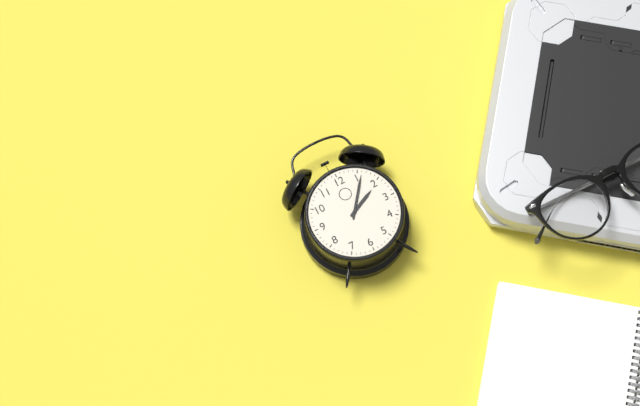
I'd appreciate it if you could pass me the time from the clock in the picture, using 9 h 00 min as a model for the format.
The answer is 2 h 06 min
